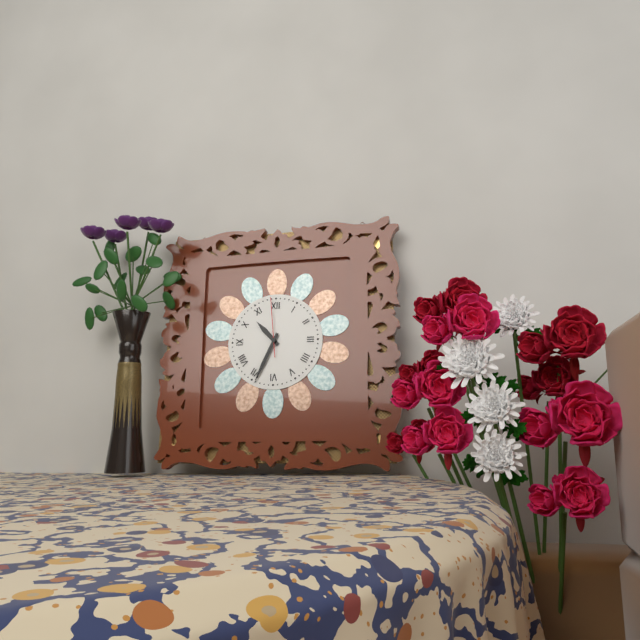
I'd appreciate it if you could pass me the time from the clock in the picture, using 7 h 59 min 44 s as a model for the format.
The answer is 10 h 34 min 59 s
